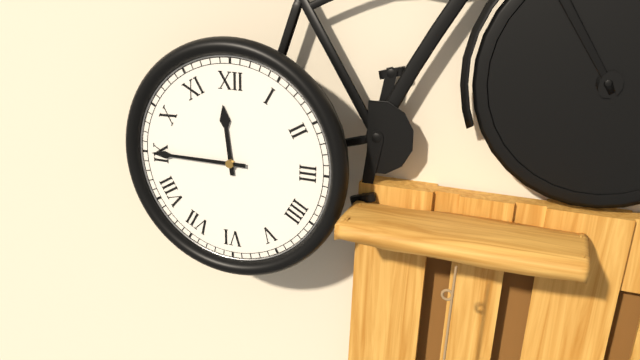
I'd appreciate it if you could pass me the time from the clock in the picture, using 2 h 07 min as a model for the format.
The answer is 11 h 45 min
